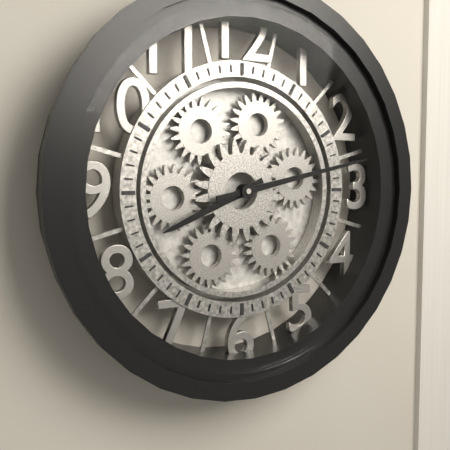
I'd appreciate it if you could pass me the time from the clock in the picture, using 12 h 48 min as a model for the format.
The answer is 8 h 13 min
